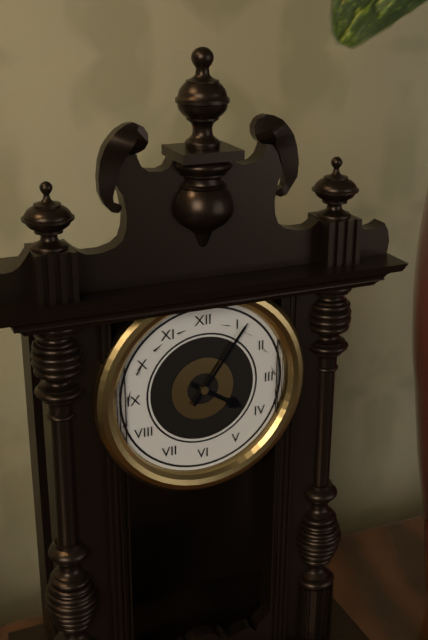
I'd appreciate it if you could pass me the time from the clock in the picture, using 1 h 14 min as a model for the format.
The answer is 4 h 06 min
